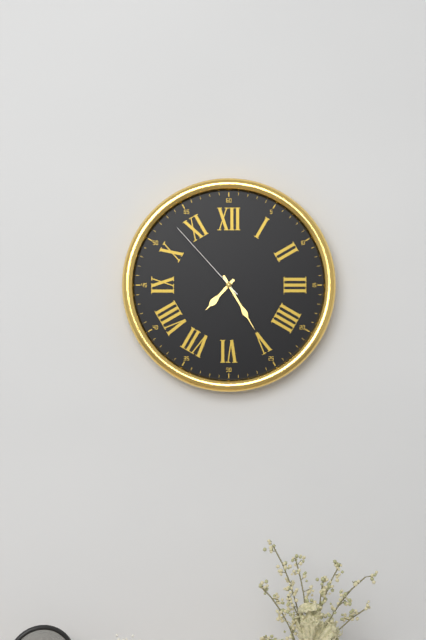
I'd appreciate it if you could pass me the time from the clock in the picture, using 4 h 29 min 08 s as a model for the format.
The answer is 7 h 25 min 53 s
